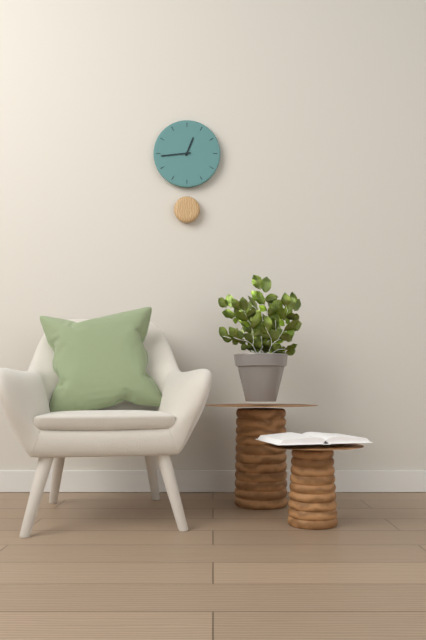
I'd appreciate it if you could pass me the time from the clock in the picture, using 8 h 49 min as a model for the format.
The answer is 12 h 44 min
